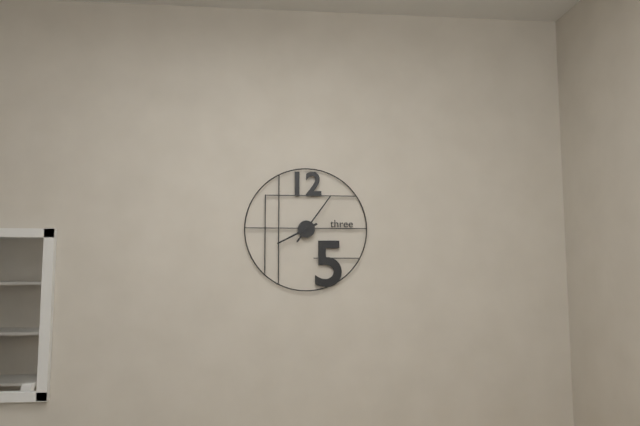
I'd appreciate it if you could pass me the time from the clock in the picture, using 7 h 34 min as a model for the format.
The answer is 8 h 06 min
